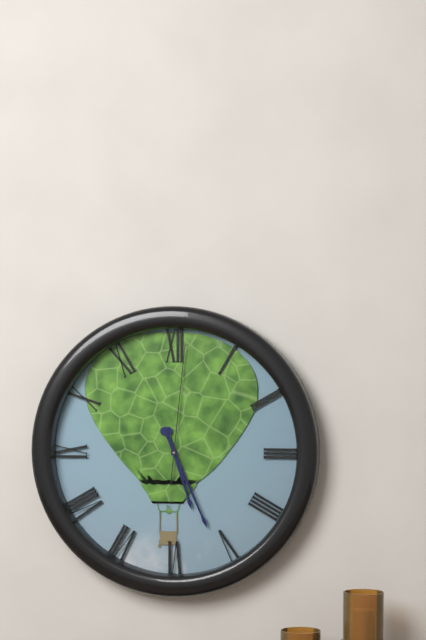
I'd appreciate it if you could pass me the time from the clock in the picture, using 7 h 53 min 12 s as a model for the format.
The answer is 5 h 26 min 01 s
